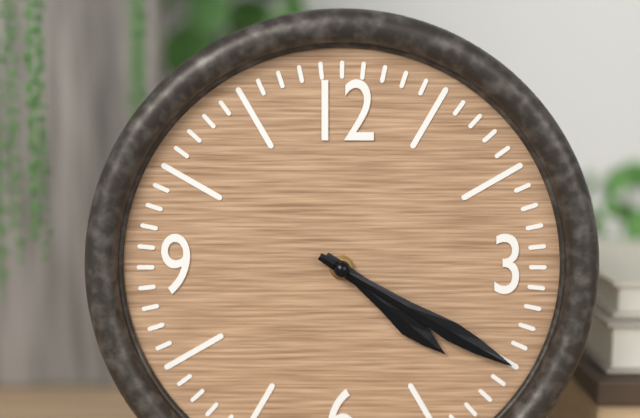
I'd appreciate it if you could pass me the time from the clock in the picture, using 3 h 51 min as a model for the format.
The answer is 4 h 20 min
